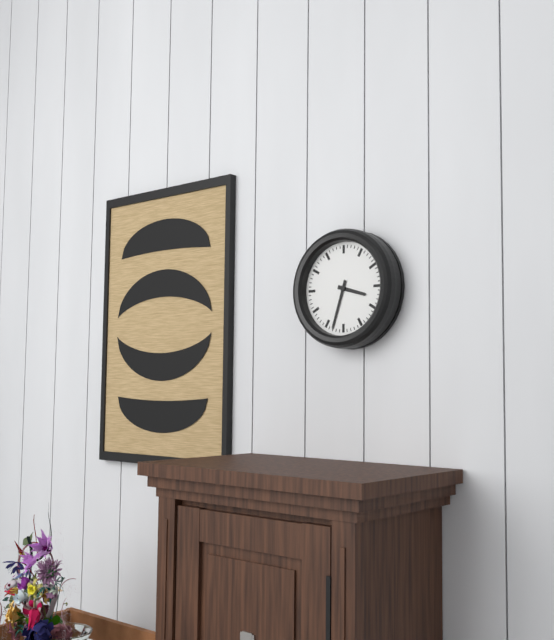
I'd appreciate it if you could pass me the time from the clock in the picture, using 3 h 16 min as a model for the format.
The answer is 3 h 33 min
